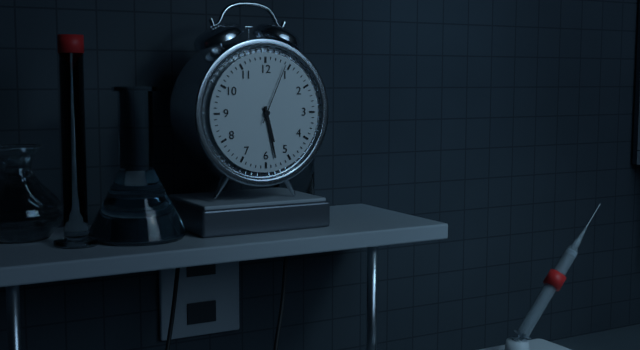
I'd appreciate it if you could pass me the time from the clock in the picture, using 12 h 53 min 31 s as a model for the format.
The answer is 5 h 28 min 04 s
